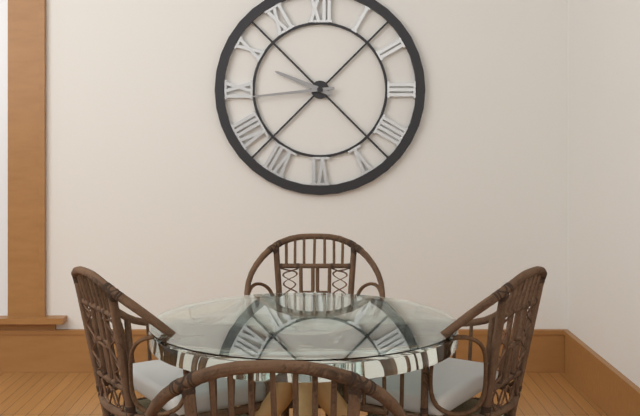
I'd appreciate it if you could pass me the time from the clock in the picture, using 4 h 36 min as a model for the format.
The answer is 9 h 44 min
